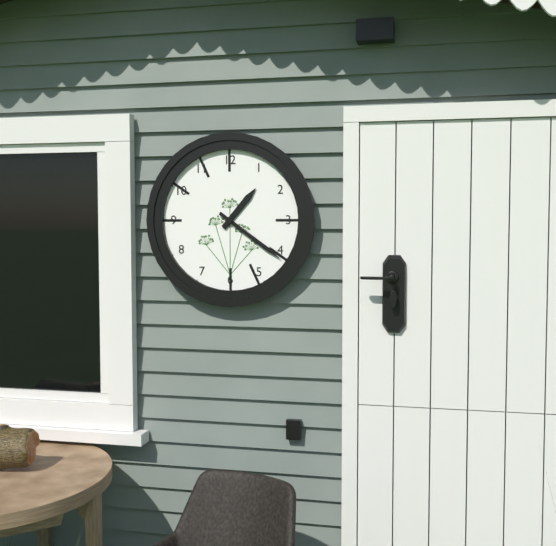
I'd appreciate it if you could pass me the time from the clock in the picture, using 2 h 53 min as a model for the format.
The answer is 1 h 21 min
